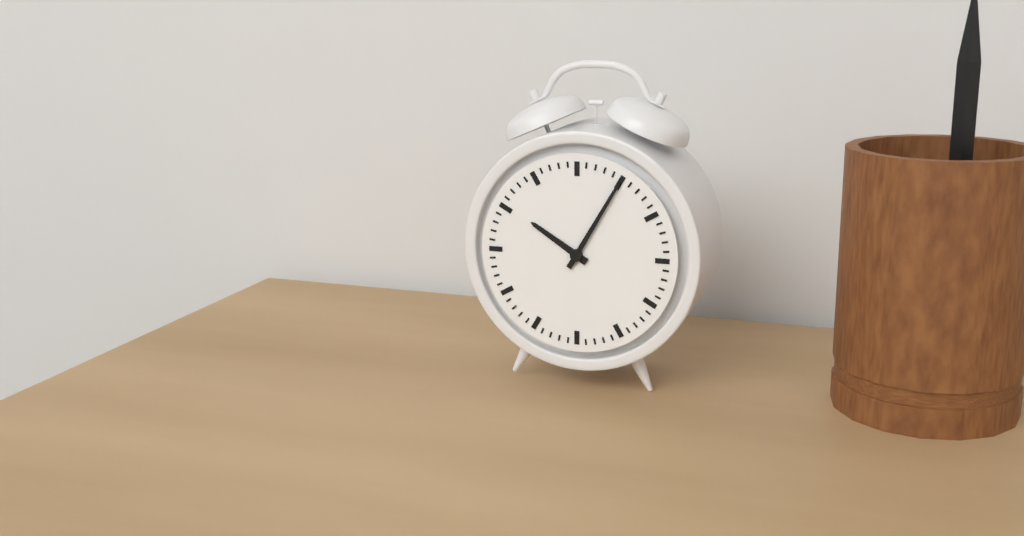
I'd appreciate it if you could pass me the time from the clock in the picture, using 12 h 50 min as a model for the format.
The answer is 10 h 05 min
